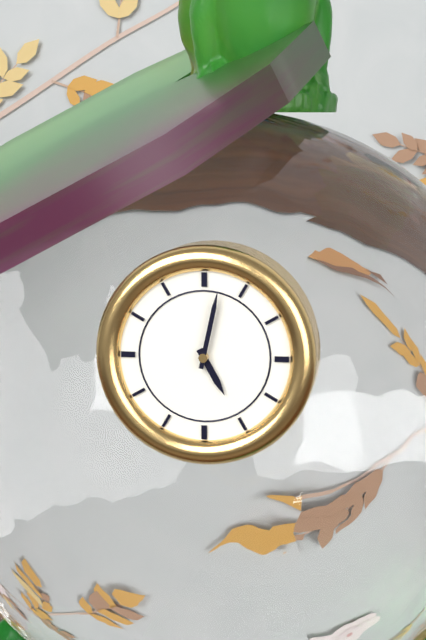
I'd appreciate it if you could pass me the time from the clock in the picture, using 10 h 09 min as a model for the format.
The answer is 5 h 02 min
